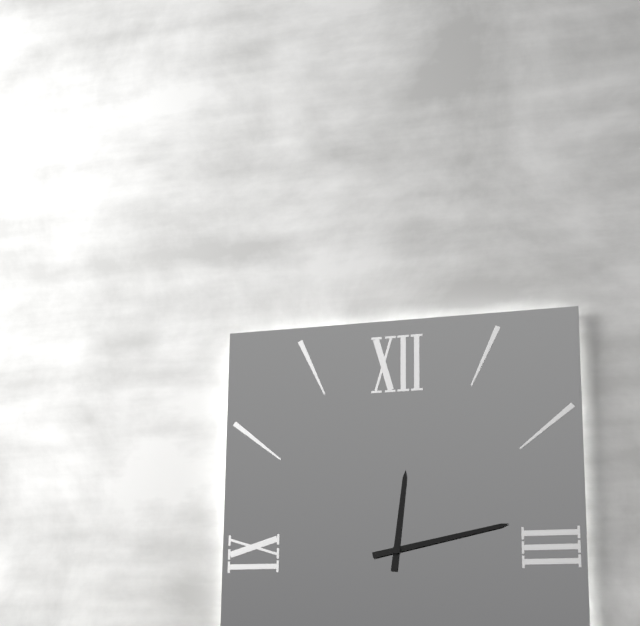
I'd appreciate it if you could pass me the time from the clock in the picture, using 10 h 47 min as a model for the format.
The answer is 12 h 13 min
